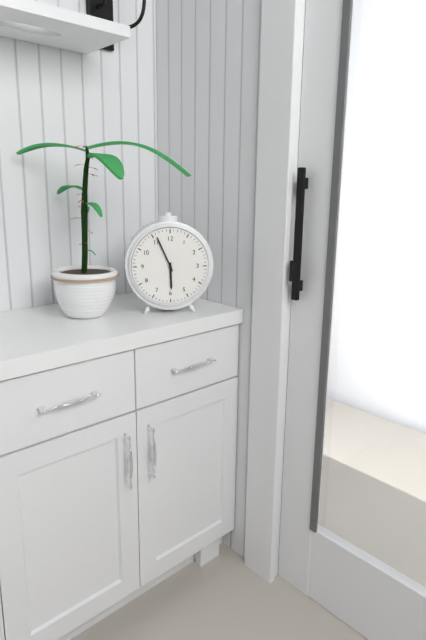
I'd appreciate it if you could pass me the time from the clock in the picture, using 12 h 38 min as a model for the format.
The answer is 5 h 56 min
